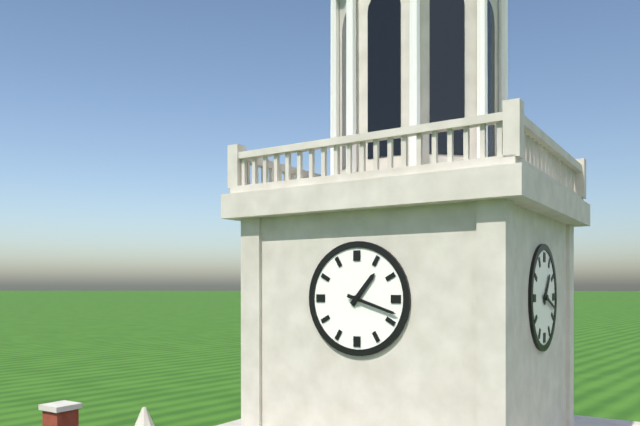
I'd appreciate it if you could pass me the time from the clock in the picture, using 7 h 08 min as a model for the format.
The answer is 1 h 18 min
